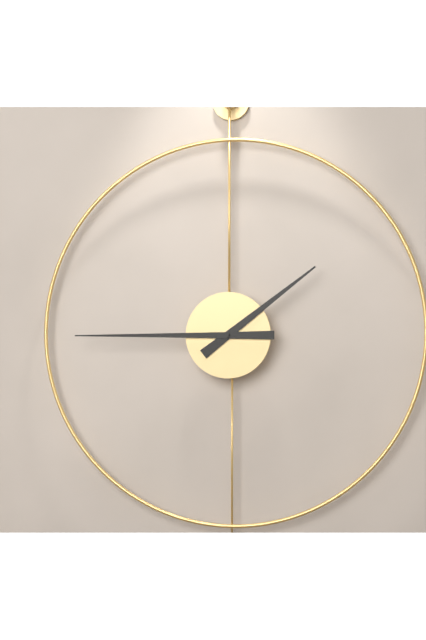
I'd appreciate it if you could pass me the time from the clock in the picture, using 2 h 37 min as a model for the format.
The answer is 1 h 45 min
